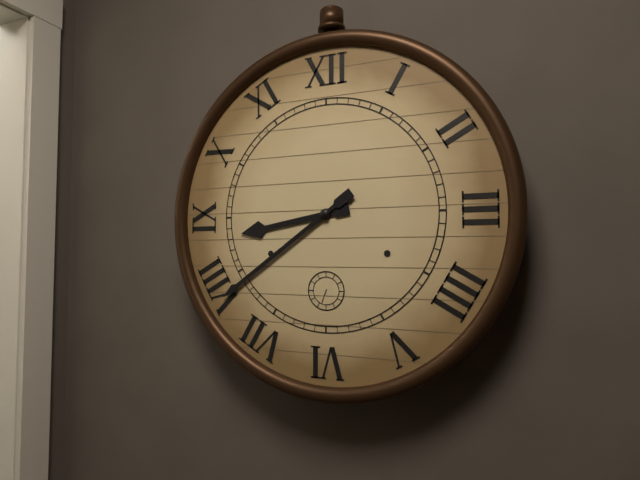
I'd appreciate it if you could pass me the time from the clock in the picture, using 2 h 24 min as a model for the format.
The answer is 8 h 39 min
